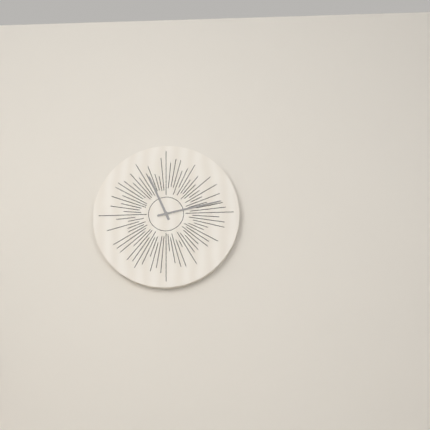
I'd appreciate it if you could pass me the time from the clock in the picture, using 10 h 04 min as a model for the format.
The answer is 11 h 13 min
